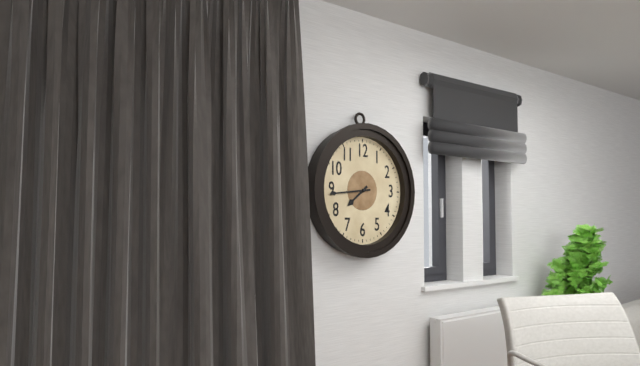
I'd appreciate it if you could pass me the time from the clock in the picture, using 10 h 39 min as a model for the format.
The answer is 7 h 44 min
